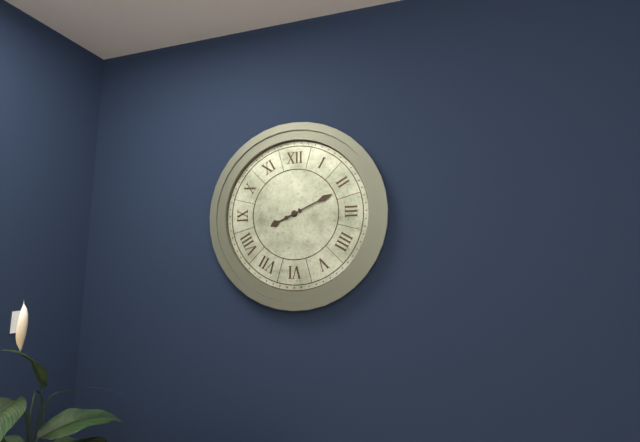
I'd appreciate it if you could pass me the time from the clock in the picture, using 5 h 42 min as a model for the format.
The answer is 8 h 11 min
